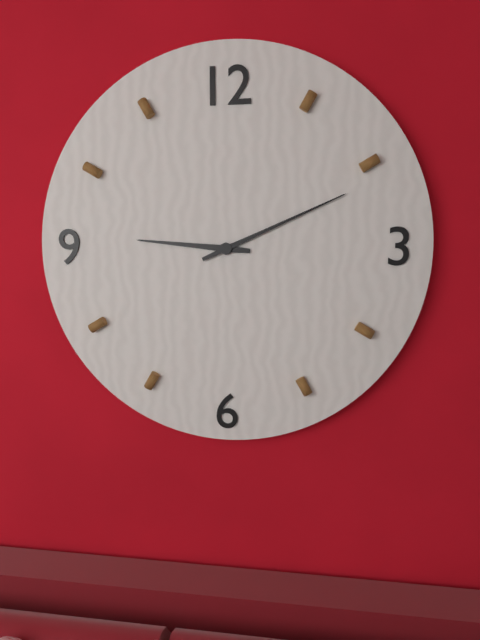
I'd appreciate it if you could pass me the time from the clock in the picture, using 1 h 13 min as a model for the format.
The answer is 9 h 11 min
